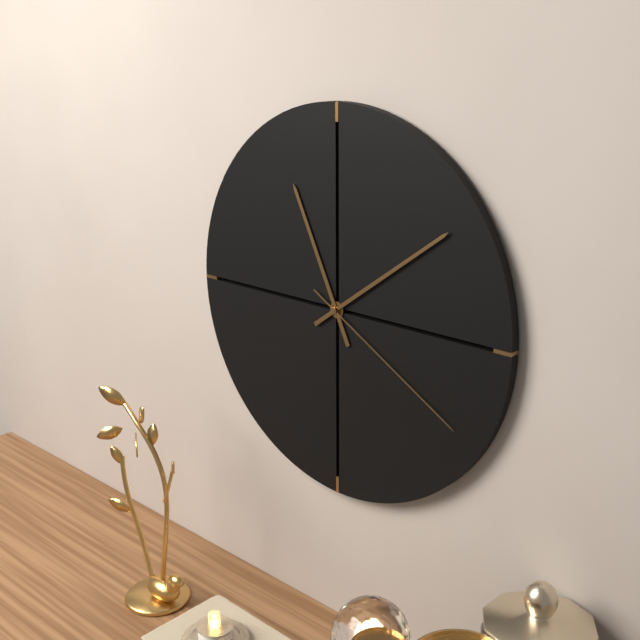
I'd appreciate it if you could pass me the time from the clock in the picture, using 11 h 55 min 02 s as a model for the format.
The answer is 11 h 09 min 20 s
